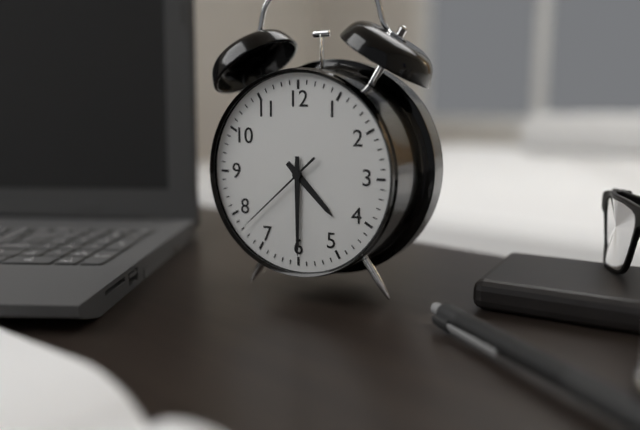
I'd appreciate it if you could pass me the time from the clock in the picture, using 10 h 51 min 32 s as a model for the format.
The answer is 4 h 30 min 38 s
